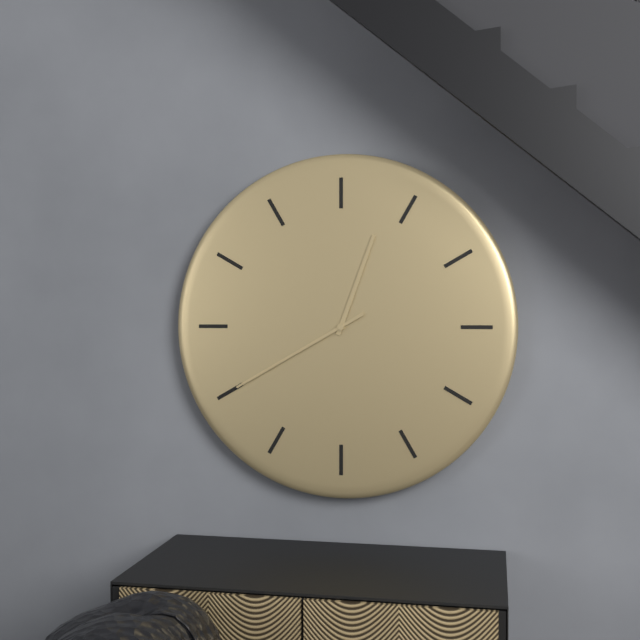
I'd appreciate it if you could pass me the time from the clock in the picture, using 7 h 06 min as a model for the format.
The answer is 12 h 40 min
